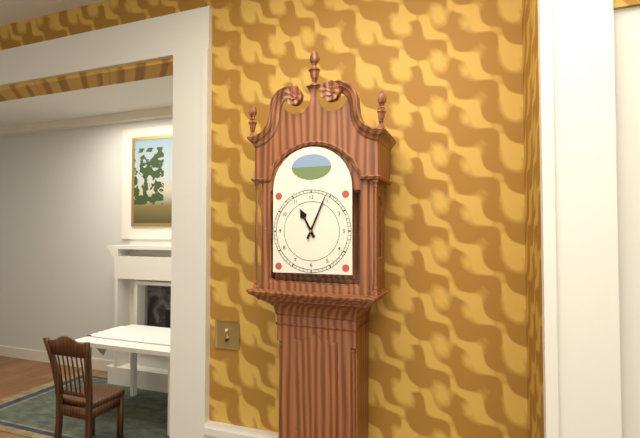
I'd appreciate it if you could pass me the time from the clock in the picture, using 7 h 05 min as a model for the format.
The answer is 11 h 04 min
